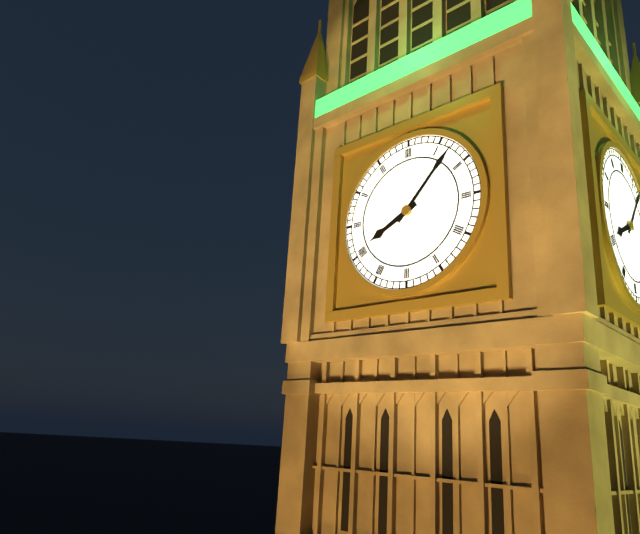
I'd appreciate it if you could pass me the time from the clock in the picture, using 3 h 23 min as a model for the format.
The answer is 8 h 07 min
